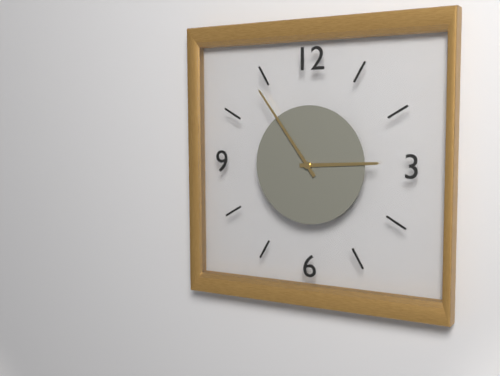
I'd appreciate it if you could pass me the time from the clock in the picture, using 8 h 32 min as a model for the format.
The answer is 2 h 54 min
